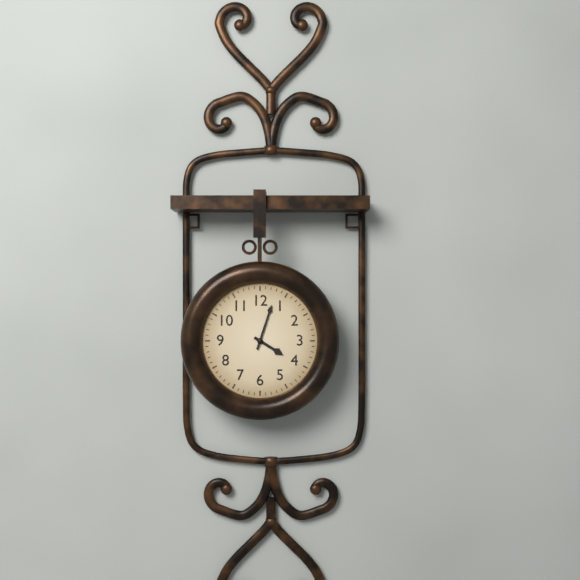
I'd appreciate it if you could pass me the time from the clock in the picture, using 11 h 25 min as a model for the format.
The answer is 4 h 03 min
